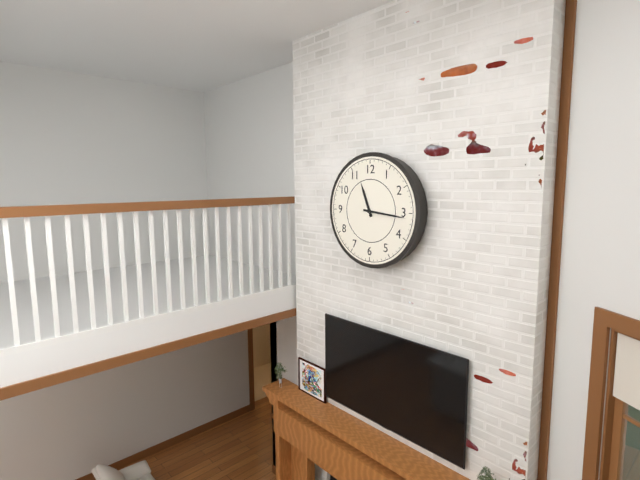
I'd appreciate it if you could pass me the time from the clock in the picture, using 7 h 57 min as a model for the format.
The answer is 11 h 16 min
